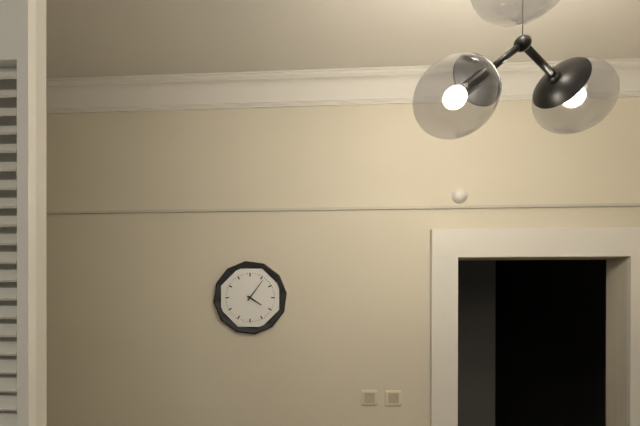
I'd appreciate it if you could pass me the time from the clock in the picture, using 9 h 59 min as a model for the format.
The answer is 4 h 06 min
